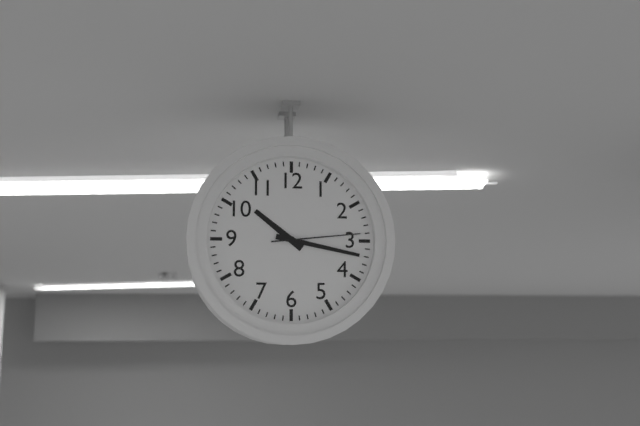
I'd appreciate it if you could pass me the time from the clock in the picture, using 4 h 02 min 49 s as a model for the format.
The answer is 10 h 17 min 14 s
